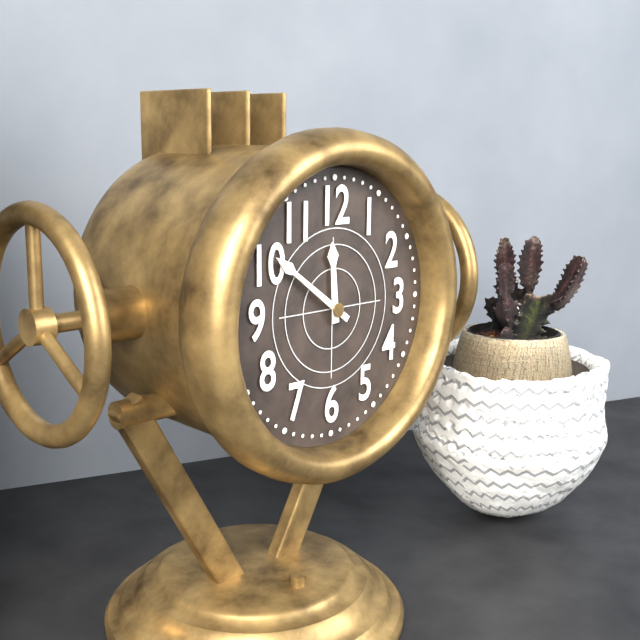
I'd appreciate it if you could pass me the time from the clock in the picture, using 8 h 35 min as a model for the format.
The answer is 11 h 51 min
